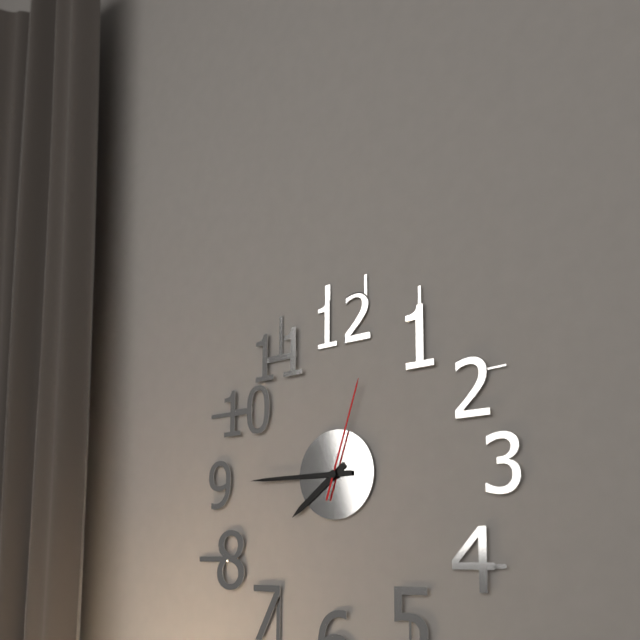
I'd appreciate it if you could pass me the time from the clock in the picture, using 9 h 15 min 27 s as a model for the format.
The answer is 7 h 45 min 03 s
